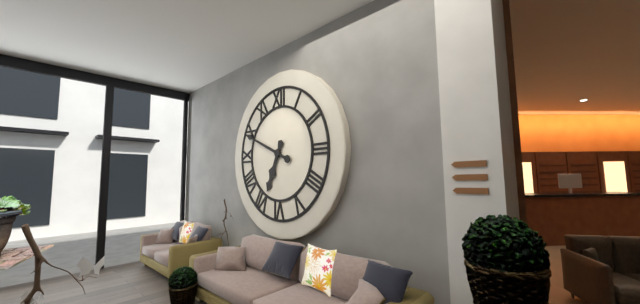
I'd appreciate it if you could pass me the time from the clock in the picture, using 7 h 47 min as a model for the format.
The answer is 6 h 49 min
